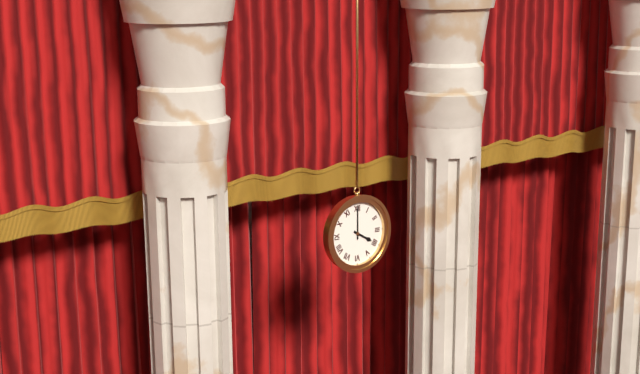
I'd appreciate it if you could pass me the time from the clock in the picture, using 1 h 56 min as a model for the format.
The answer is 4 h 00 min
